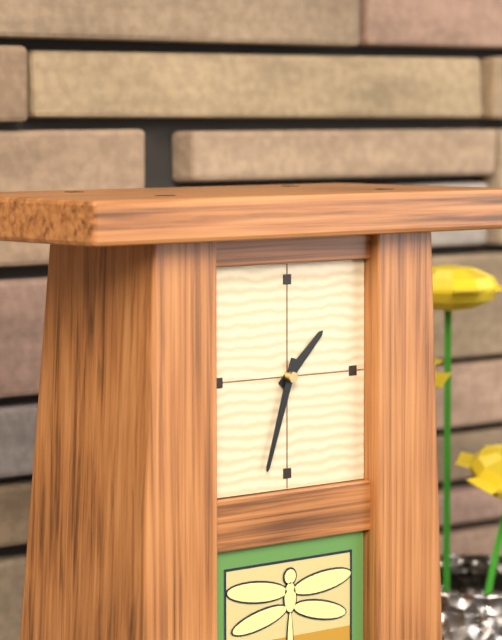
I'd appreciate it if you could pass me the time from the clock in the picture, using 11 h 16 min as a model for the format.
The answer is 1 h 33 min
